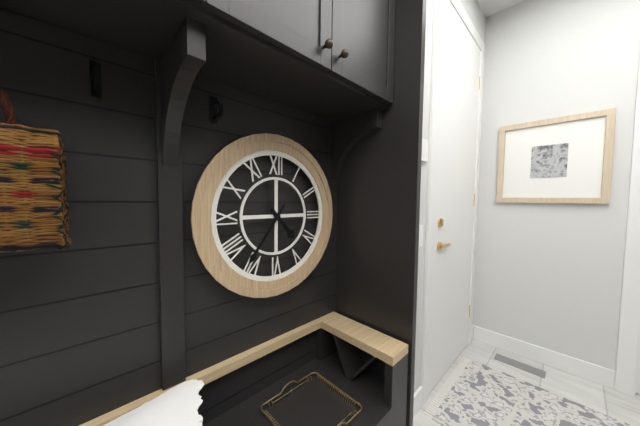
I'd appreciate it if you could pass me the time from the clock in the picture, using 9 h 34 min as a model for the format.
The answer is 4 h 36 min
